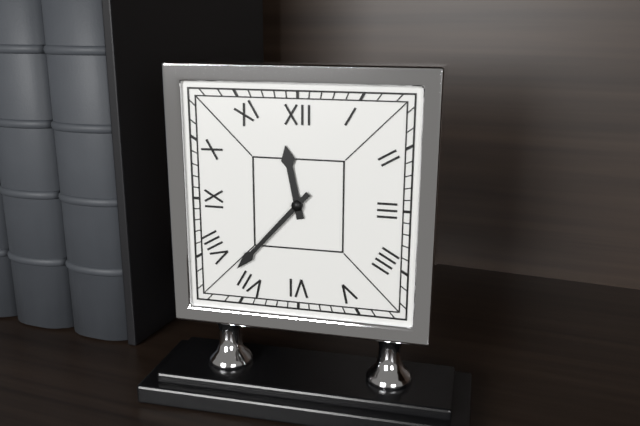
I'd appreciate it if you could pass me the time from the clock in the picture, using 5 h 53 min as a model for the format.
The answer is 11 h 37 min
